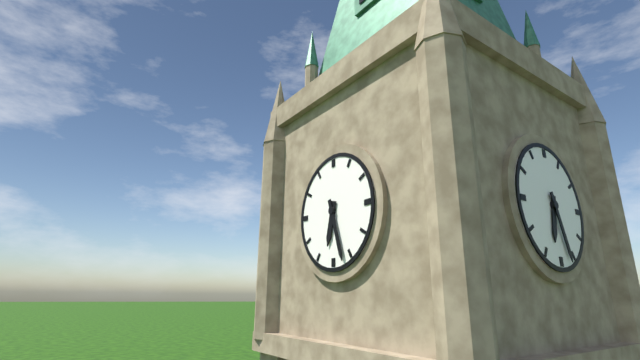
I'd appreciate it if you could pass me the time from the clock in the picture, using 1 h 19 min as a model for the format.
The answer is 6 h 27 min
